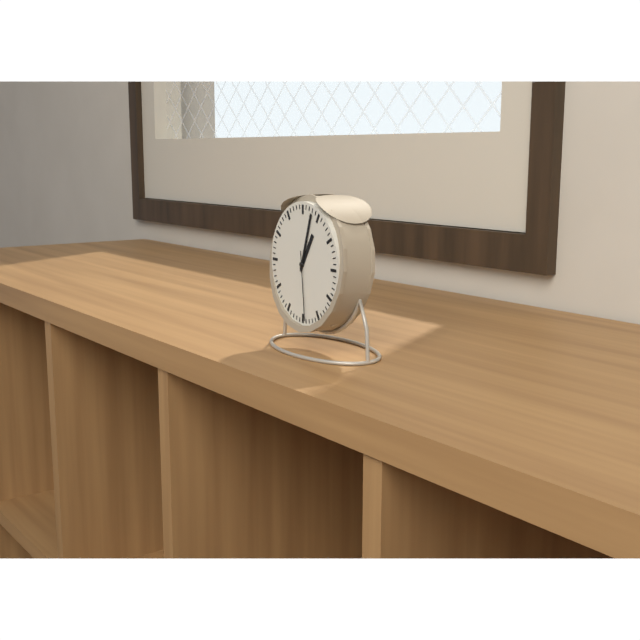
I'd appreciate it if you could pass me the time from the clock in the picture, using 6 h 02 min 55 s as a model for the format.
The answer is 1 h 03 min 29 s
